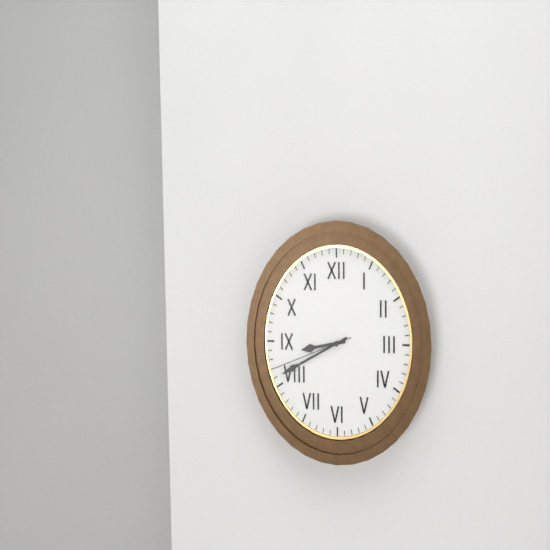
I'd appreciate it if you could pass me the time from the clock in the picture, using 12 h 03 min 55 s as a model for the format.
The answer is 8 h 41 min 42 s
